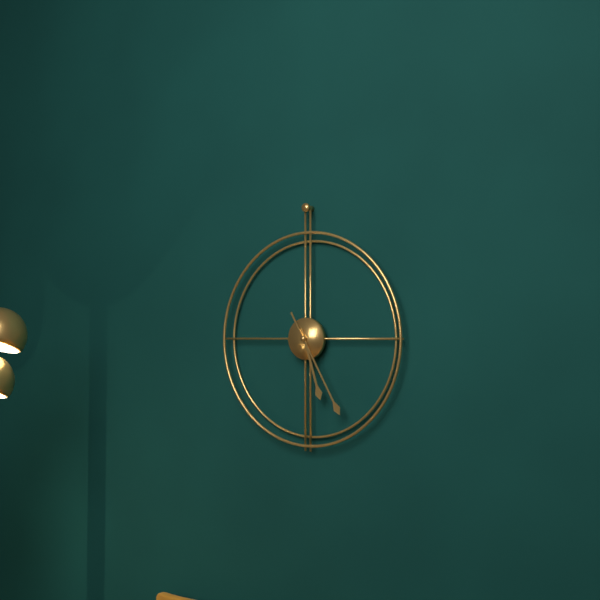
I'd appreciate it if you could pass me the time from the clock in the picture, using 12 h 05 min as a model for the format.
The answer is 5 h 25 min
